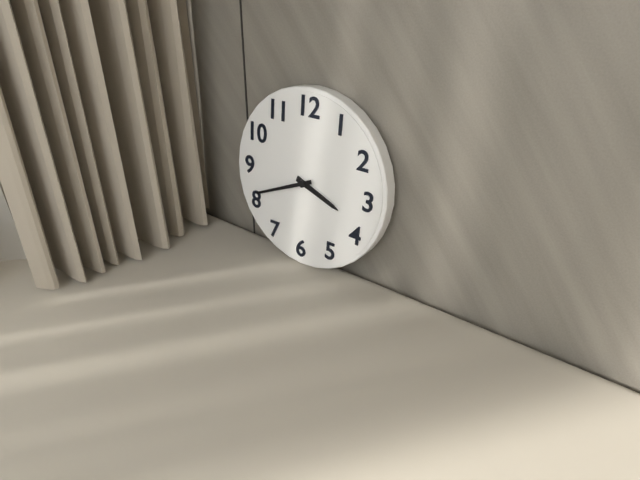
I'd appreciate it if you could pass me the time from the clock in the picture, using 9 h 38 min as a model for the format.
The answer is 3 h 41 min
